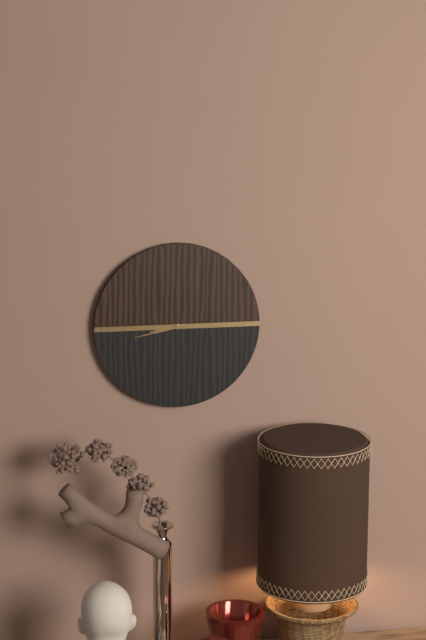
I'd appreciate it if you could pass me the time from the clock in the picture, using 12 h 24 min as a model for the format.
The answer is 8 h 43 min
